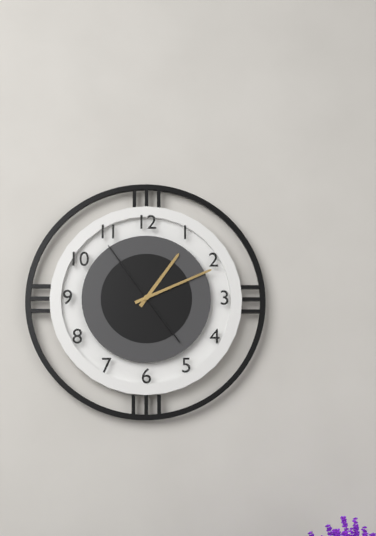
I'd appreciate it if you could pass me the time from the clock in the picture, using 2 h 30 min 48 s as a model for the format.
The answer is 1 h 11 min 54 s
